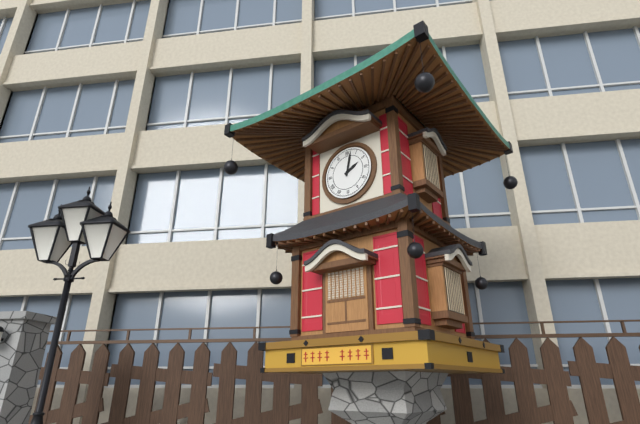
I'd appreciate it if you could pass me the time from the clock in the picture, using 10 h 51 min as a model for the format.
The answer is 2 h 02 min
